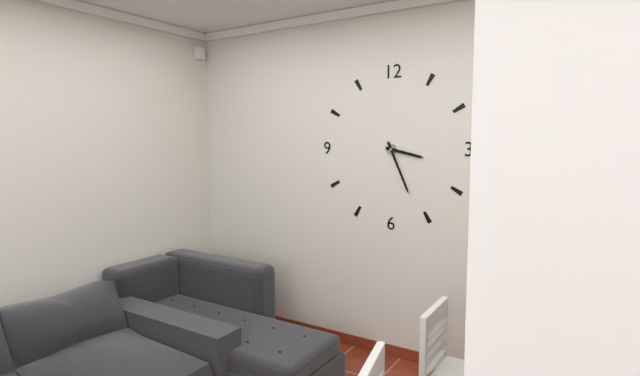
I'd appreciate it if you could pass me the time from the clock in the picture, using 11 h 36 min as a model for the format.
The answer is 3 h 26 min
